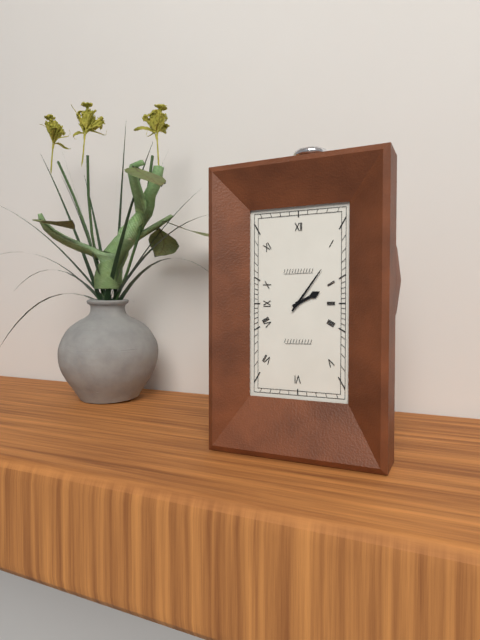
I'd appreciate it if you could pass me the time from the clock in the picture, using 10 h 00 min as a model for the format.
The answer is 2 h 06 min
